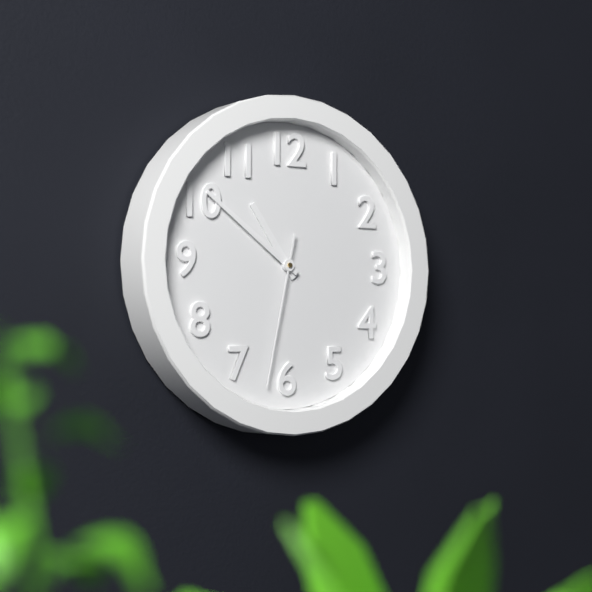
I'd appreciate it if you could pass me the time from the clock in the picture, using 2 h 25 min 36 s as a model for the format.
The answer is 10 h 51 min 32 s
